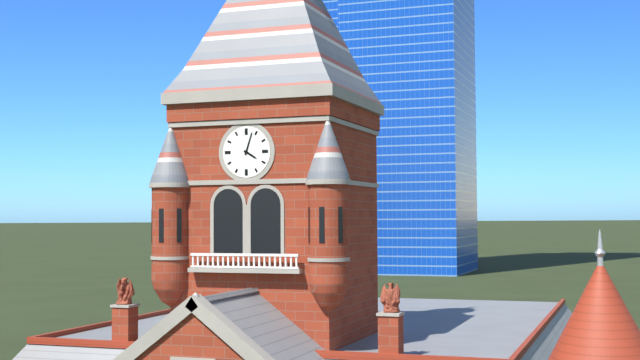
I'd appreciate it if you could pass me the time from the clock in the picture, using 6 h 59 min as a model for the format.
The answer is 4 h 03 min
